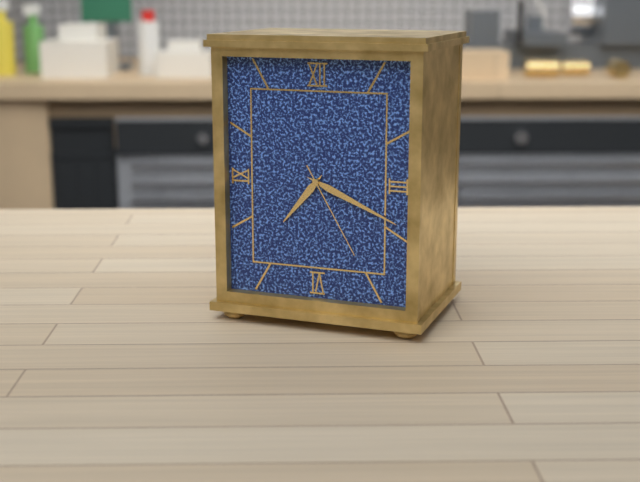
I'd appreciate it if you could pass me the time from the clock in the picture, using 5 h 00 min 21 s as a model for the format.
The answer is 7 h 19 min 25 s
